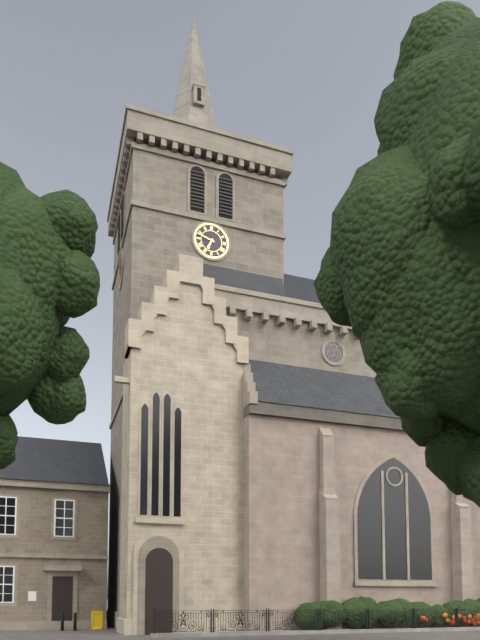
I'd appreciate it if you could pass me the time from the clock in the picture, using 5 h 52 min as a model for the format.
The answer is 6 h 48 min
